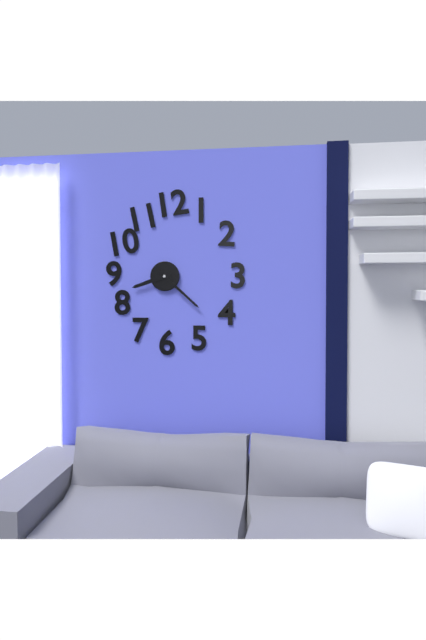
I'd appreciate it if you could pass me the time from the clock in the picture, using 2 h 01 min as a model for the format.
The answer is 8 h 22 min
